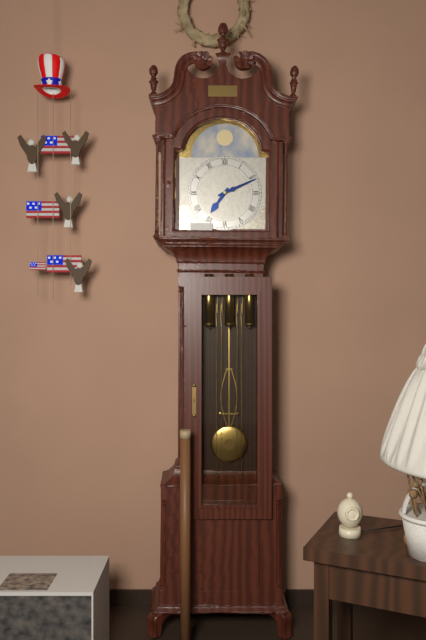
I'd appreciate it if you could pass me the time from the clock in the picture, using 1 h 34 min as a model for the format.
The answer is 7 h 11 min
